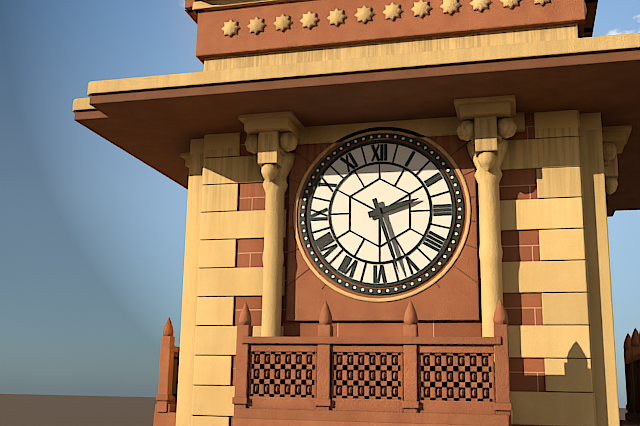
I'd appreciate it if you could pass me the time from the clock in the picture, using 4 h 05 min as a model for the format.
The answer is 2 h 27 min
